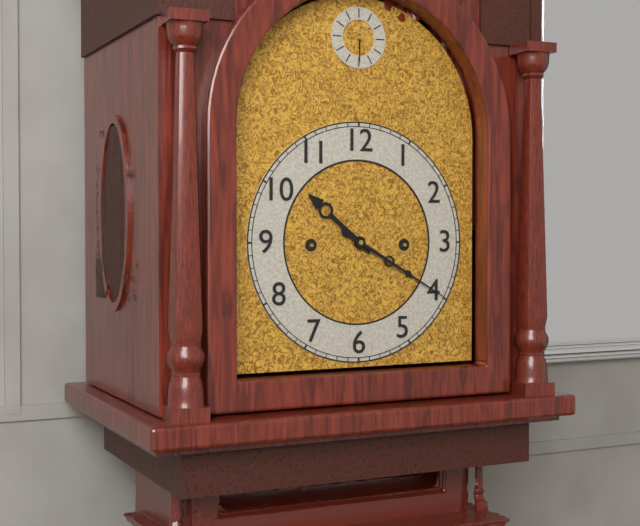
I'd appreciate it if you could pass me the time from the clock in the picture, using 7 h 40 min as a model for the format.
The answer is 10 h 20 min
